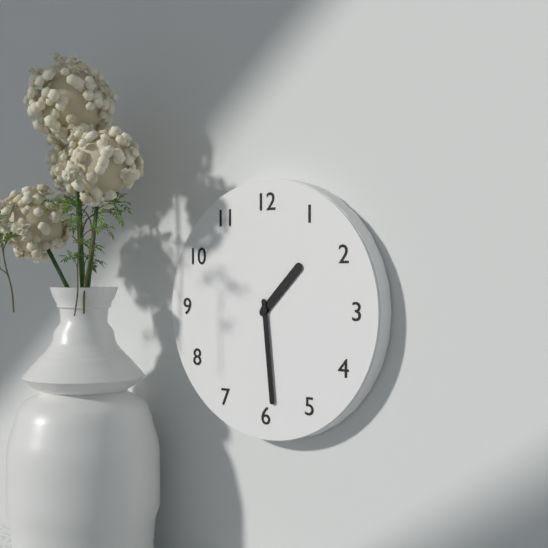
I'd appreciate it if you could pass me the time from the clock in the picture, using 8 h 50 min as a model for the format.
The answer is 1 h 29 min
